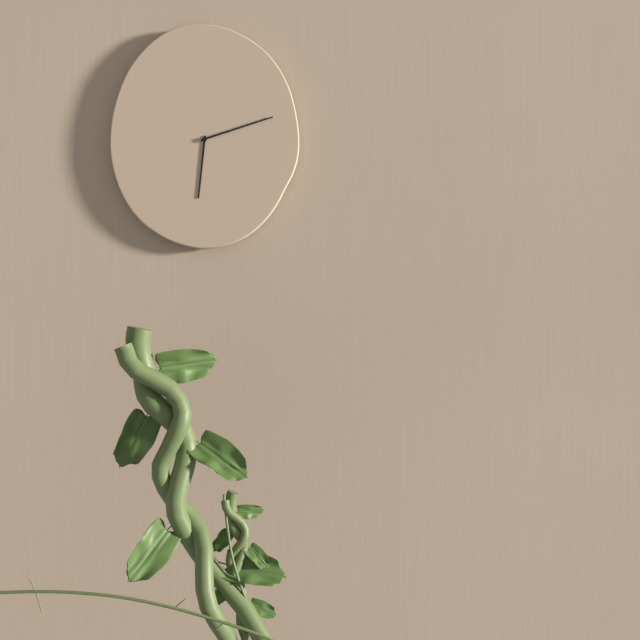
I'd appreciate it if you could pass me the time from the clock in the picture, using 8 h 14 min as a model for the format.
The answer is 6 h 12 min
